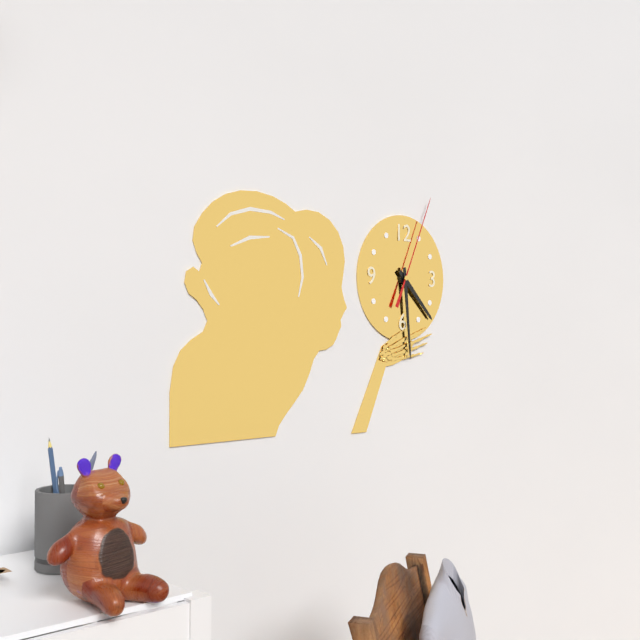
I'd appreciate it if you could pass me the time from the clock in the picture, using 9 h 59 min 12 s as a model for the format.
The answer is 4 h 29 min 04 s
